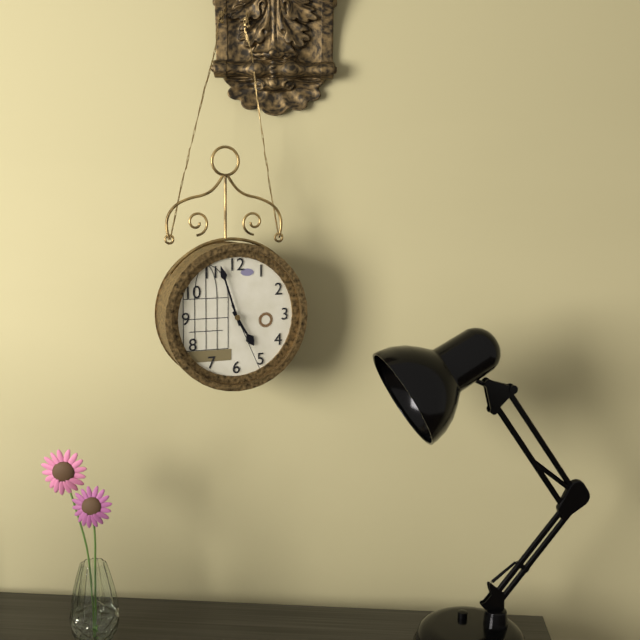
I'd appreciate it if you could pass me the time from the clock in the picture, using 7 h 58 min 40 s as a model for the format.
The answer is 4 h 57 min 26 s
